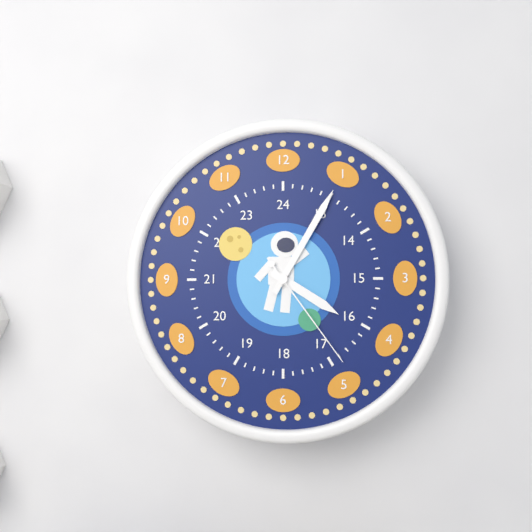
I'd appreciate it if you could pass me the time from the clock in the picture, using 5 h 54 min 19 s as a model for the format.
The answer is 4 h 05 min 24 s
